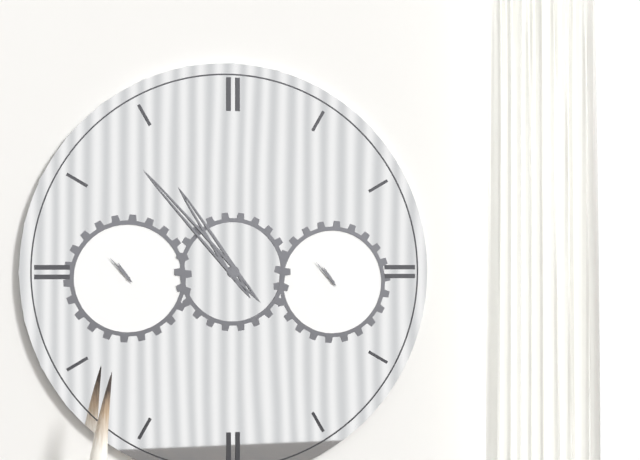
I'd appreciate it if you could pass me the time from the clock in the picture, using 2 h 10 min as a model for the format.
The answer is 10 h 53 min
